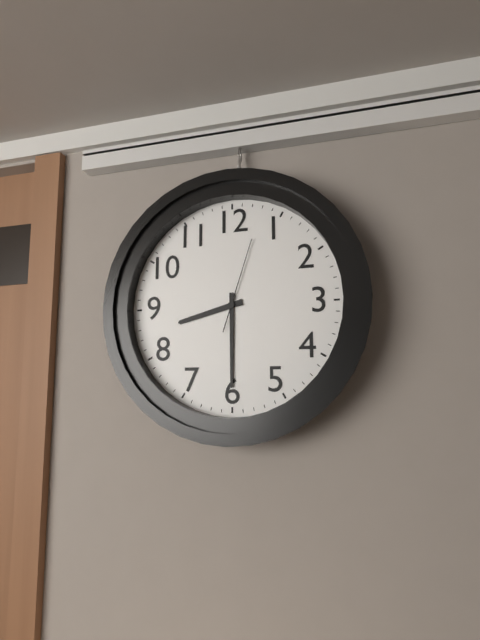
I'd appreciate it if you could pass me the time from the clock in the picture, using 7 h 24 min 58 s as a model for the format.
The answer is 8 h 30 min 03 s
